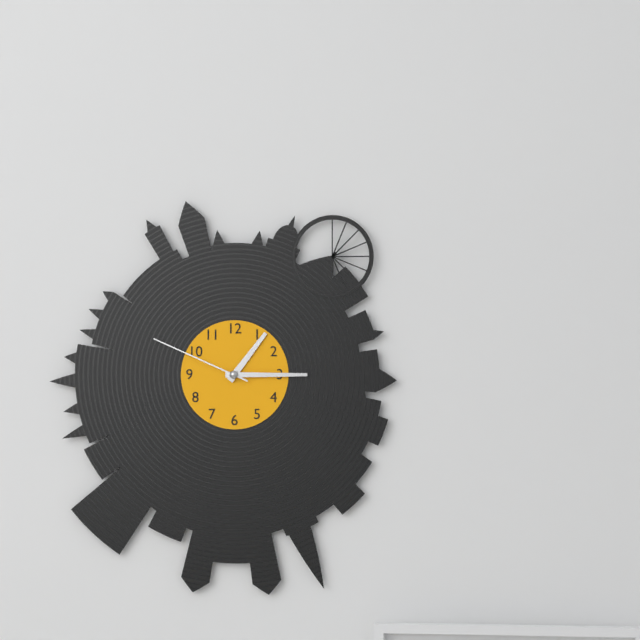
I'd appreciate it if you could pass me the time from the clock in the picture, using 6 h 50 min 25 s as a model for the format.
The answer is 1 h 15 min 49 s
